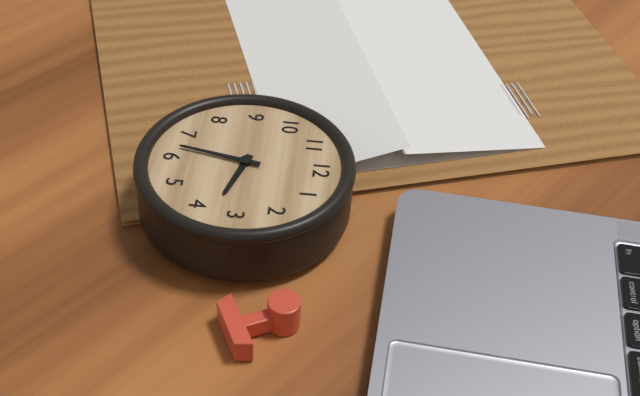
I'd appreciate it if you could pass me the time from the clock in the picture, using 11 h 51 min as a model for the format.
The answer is 3 h 32 min
